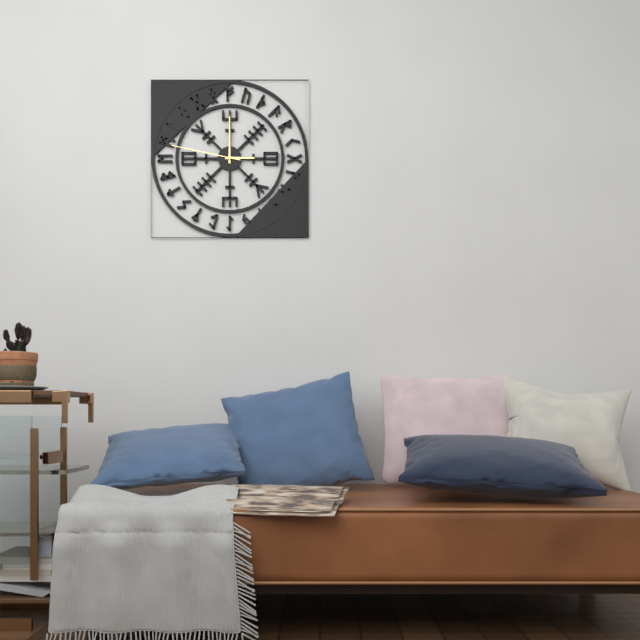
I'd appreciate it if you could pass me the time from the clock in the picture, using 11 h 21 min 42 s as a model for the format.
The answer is 3 h 00 min 47 s
